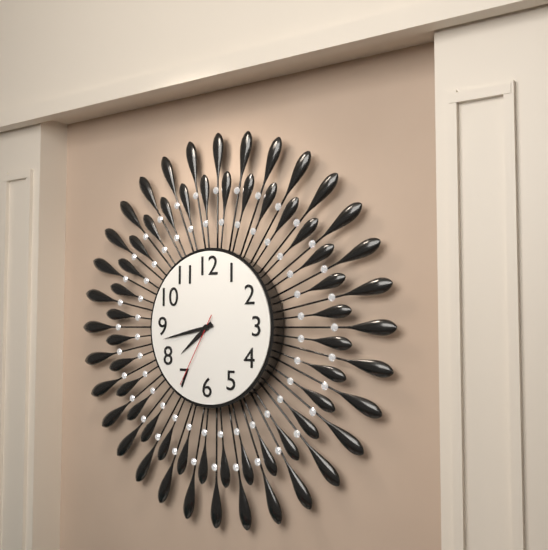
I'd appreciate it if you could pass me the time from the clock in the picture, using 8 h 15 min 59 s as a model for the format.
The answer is 7 h 43 min 35 s
